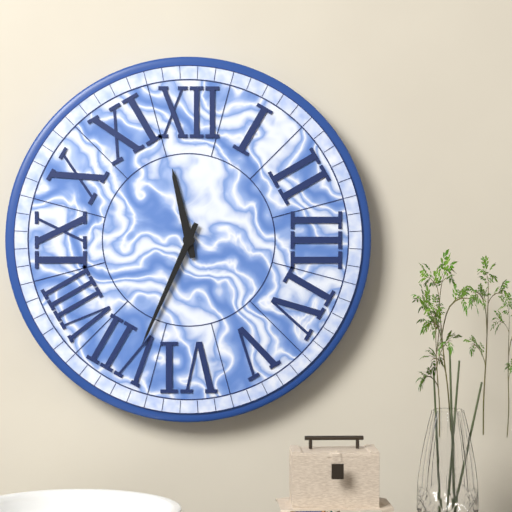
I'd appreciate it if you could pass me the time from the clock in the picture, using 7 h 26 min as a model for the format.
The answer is 11 h 34 min
